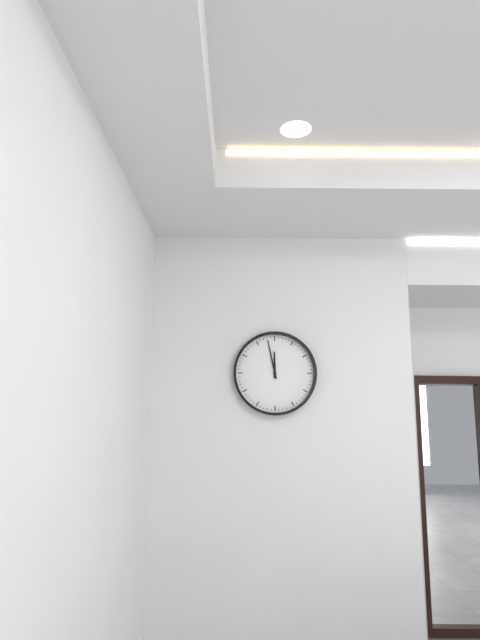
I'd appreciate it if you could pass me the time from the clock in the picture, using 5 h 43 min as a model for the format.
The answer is 11 h 58 min
